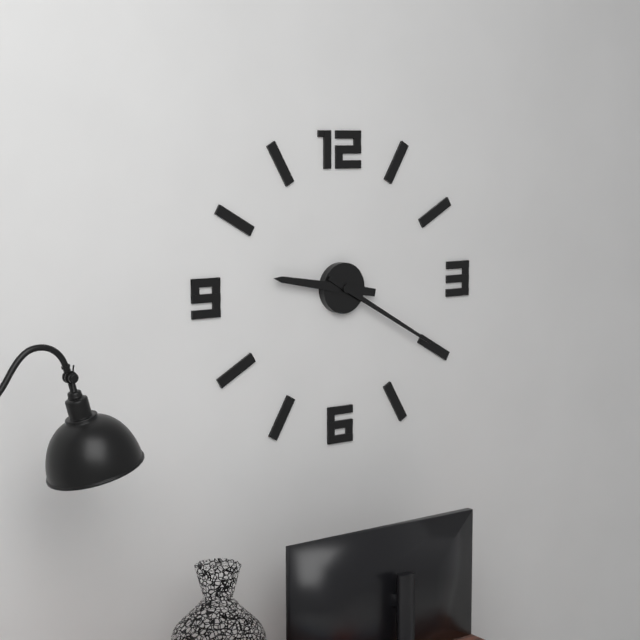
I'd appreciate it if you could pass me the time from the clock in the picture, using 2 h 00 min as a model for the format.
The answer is 9 h 20 min
